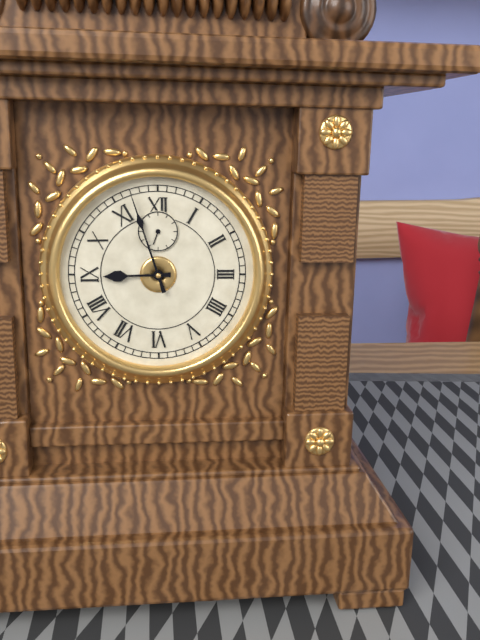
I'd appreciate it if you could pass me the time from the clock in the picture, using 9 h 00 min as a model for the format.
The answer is 8 h 57 min
